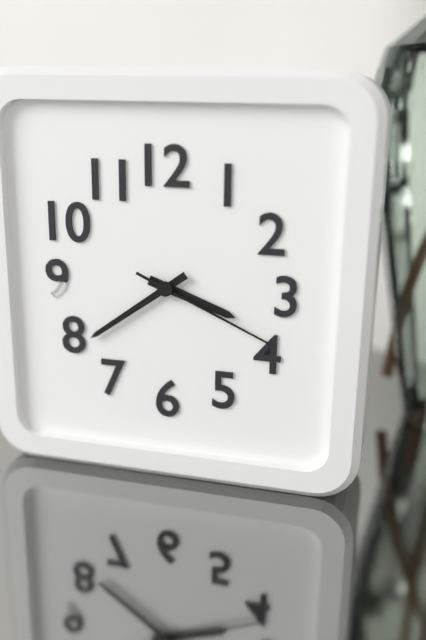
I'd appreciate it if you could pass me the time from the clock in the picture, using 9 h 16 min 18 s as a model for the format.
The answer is 3 h 39 min 19 s
